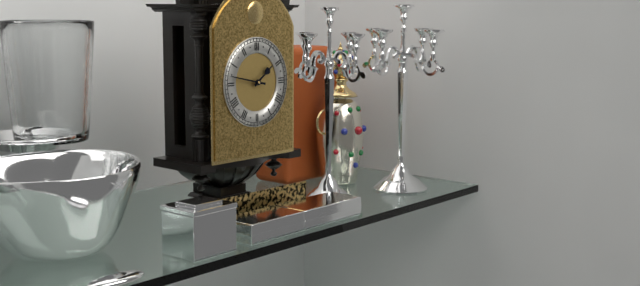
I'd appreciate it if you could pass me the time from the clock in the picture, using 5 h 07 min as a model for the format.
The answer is 1 h 47 min
